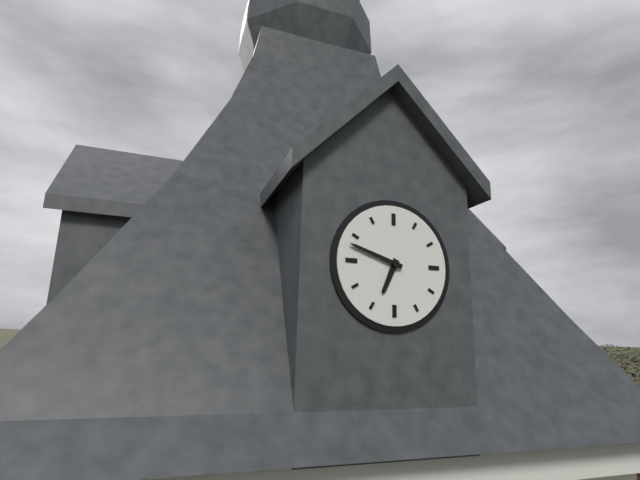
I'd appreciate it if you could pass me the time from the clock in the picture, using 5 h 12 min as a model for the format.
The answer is 6 h 48 min
